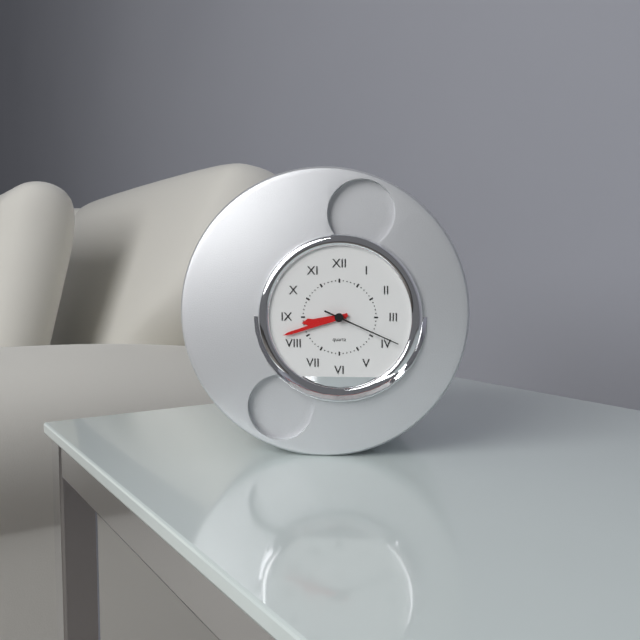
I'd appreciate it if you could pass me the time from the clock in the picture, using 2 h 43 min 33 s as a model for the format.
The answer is 8 h 42 min 19 s
